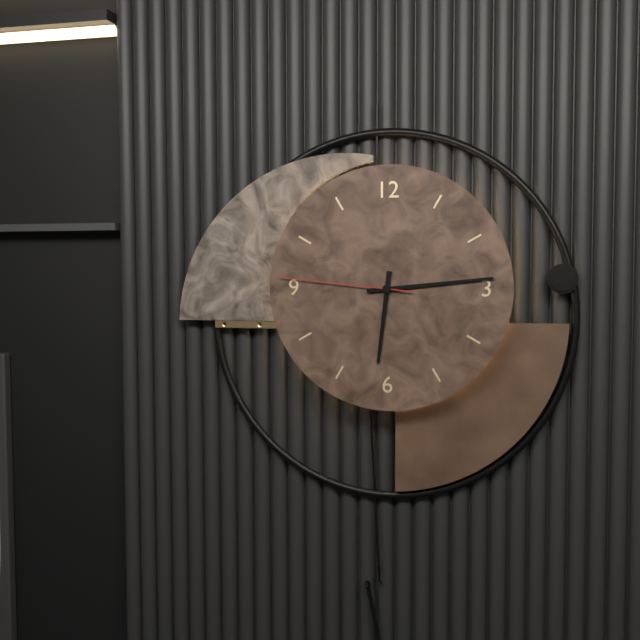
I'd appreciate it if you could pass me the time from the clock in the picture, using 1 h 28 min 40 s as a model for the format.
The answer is 6 h 14 min 46 s
